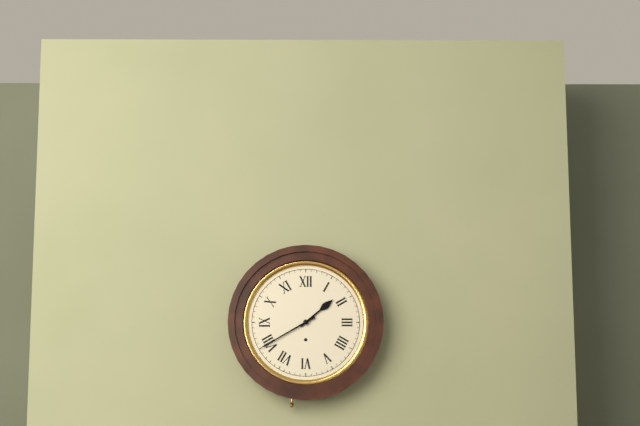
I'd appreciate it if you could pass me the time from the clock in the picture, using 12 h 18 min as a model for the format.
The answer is 1 h 40 min
